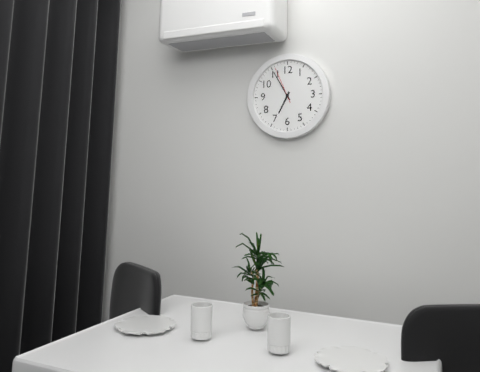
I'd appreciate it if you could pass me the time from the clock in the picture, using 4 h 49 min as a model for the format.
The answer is 6 h 55 min
